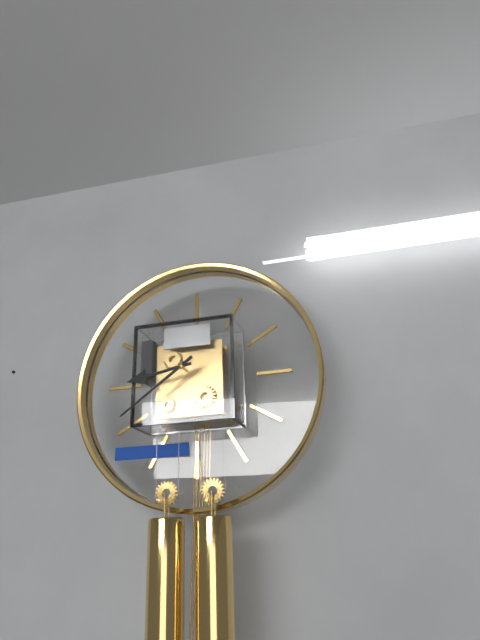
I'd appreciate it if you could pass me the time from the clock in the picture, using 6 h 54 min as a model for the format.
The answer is 8 h 39 min
